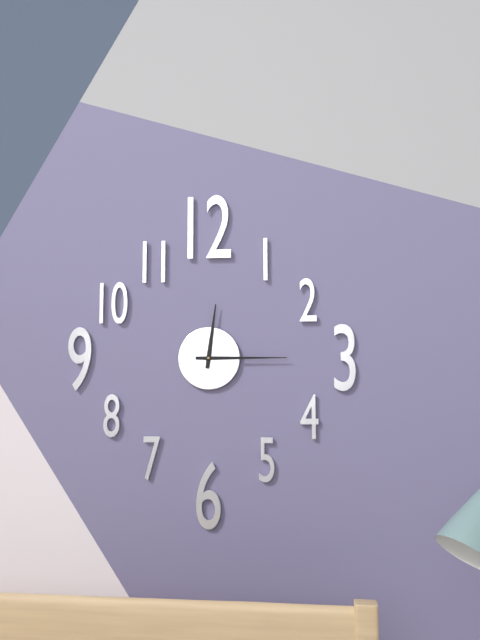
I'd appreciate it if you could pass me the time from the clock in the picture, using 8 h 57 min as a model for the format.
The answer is 12 h 15 min
